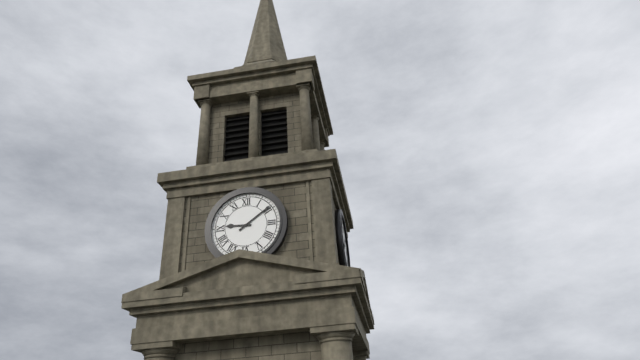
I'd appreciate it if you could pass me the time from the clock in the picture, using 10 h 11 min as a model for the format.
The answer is 9 h 09 min
